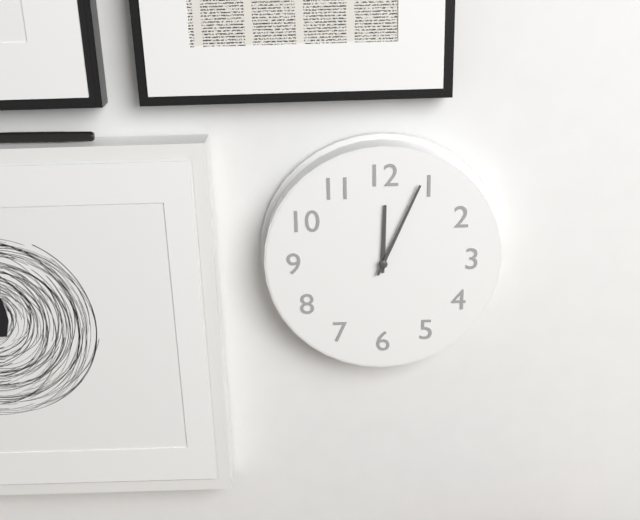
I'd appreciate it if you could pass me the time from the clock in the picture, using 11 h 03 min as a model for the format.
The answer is 12 h 04 min
